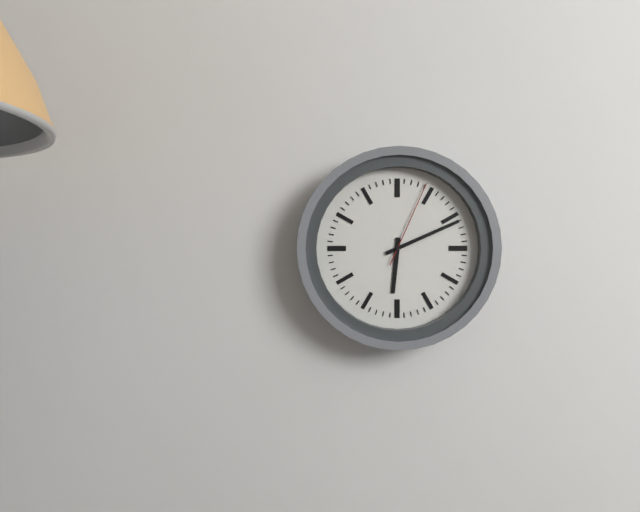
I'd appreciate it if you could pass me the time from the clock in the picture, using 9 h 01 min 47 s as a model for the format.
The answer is 6 h 11 min 04 s
